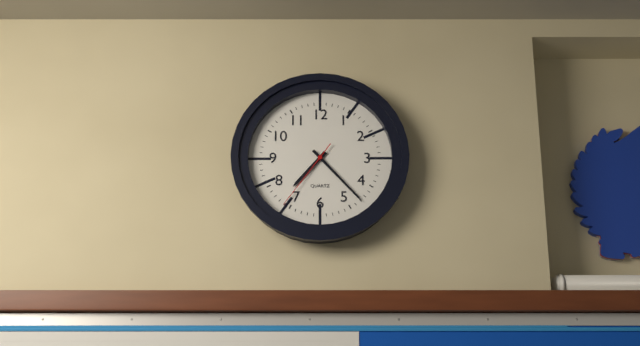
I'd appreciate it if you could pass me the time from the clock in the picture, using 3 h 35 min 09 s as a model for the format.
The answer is 7 h 23 min 36 s
